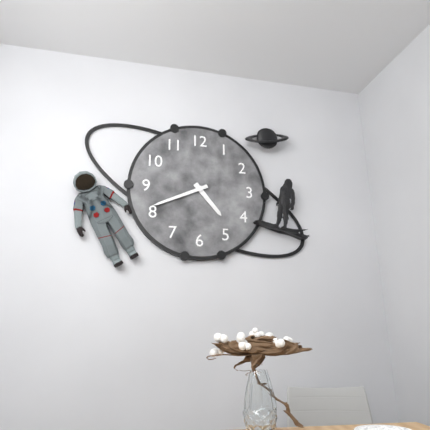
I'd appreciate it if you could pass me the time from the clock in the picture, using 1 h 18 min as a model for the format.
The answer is 4 h 41 min
